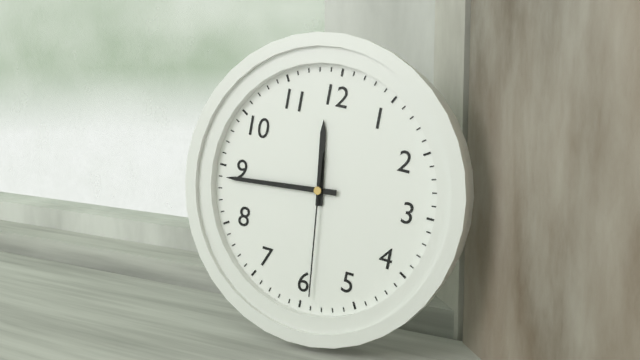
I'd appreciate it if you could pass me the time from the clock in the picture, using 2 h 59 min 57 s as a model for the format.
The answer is 11 h 44 min 29 s
